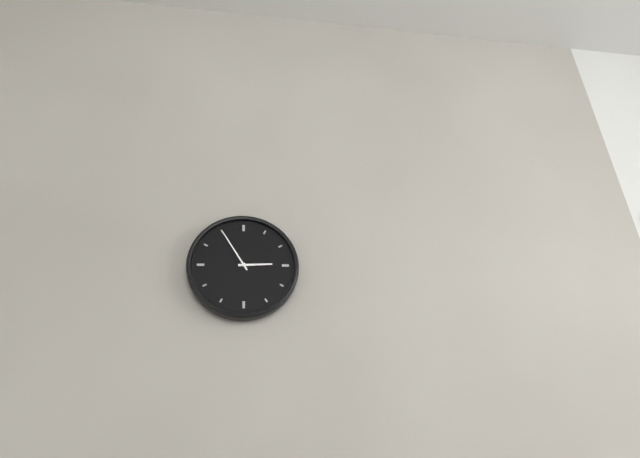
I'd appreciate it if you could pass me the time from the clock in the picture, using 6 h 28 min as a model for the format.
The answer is 2 h 55 min
